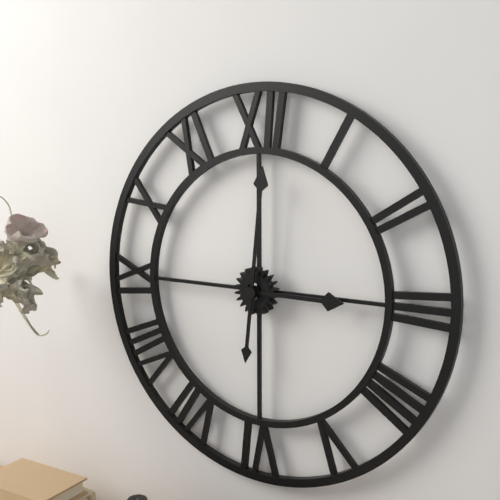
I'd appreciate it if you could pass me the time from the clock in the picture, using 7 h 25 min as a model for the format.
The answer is 3 h 01 min
